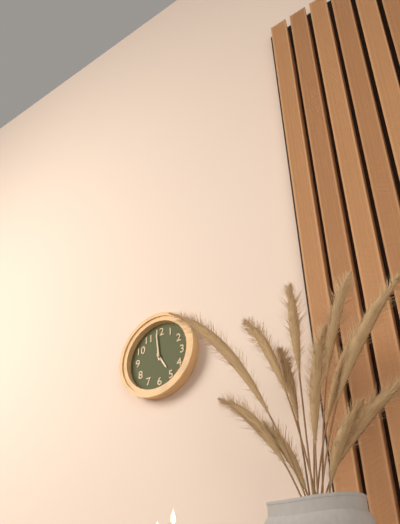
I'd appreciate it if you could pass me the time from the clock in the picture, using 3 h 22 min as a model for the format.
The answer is 4 h 59 min
